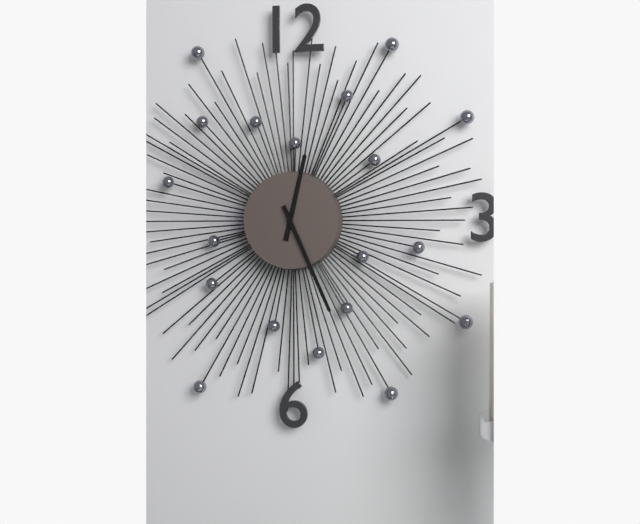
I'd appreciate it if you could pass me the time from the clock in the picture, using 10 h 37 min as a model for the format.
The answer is 12 h 26 min
